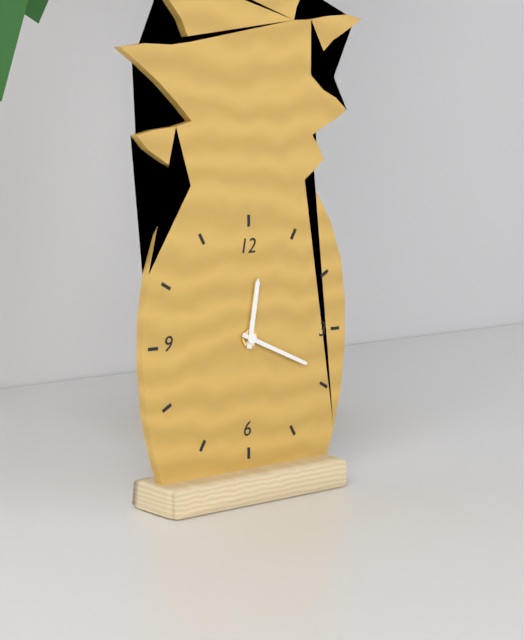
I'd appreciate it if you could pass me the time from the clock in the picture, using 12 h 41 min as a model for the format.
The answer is 12 h 19 min
